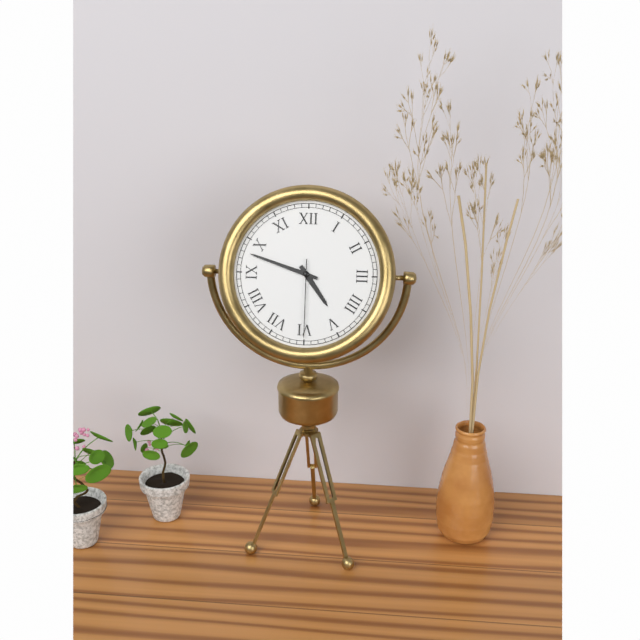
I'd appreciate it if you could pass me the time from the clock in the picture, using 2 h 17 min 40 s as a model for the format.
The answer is 4 h 48 min 30 s
